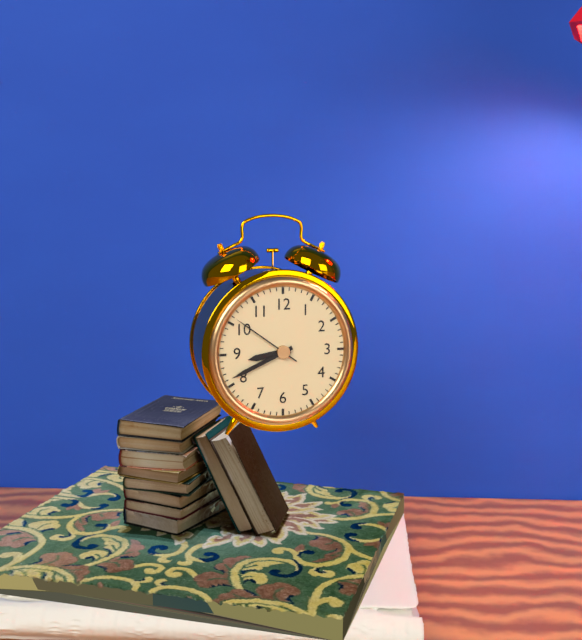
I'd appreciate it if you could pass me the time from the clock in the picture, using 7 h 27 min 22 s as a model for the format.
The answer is 8 h 41 min 51 s
